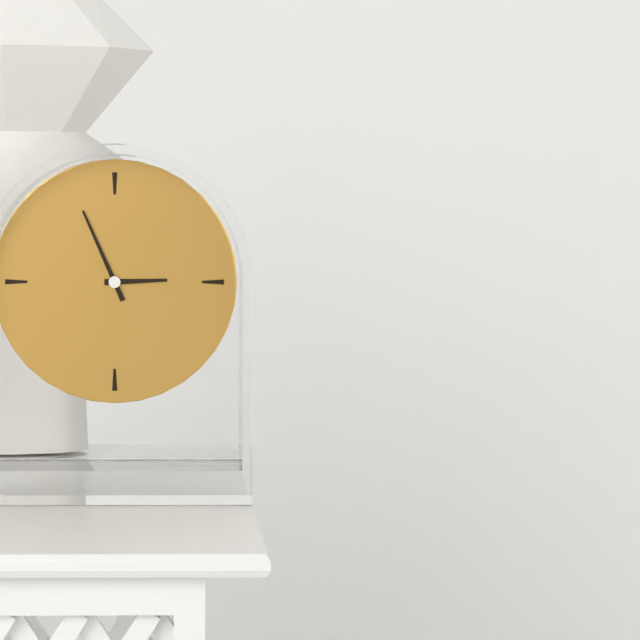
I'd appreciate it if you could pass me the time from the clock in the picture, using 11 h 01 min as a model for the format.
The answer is 2 h 56 min
